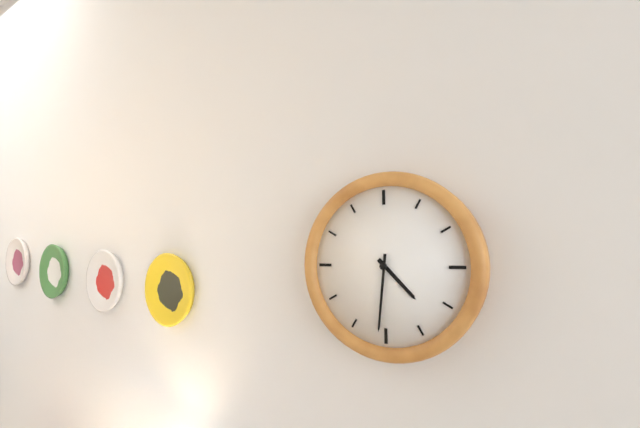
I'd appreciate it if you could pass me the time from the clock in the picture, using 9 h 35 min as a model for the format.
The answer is 4 h 31 min
